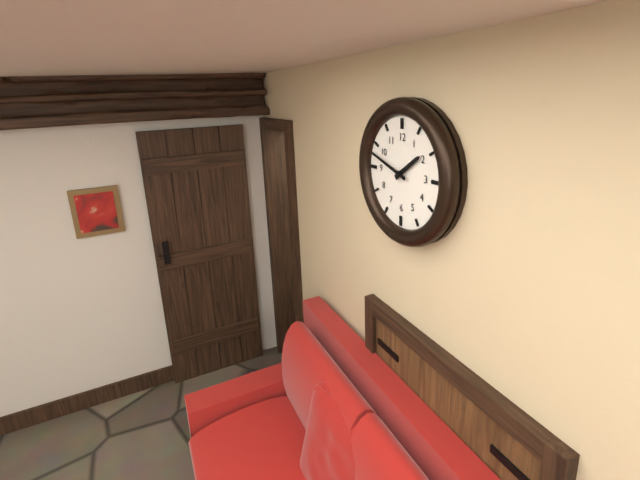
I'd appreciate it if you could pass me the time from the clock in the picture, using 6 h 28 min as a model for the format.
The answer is 1 h 48 min
